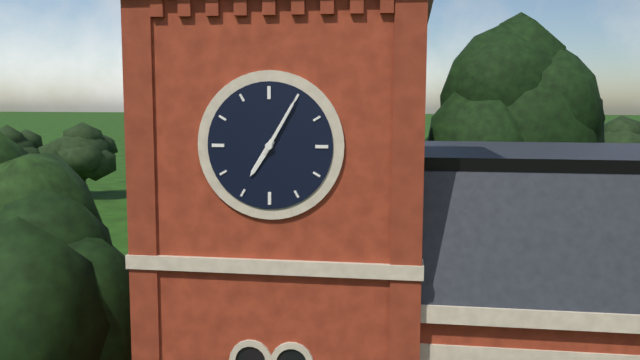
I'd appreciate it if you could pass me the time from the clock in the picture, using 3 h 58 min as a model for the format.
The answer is 7 h 05 min
